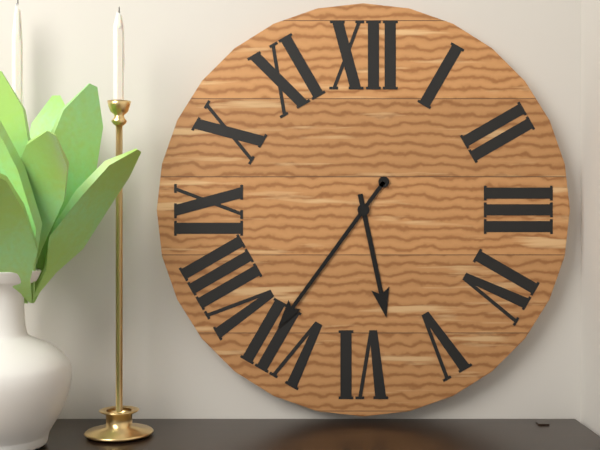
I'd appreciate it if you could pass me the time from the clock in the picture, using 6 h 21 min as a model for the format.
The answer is 5 h 36 min
